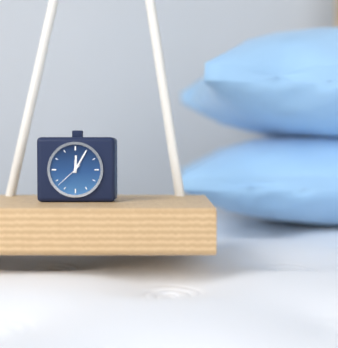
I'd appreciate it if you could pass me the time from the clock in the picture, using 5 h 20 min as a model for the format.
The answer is 12 h 05 min
